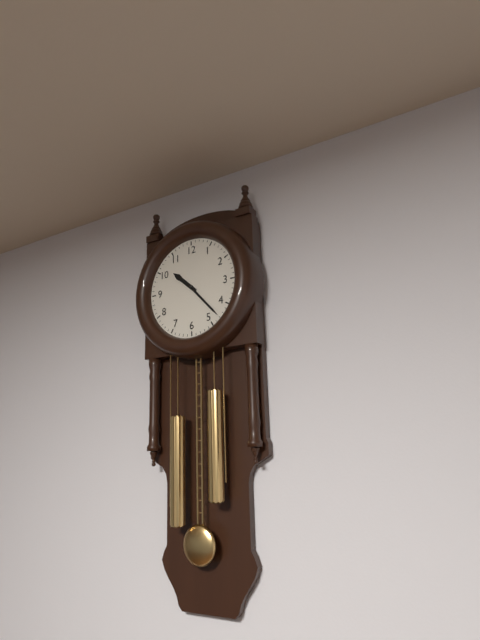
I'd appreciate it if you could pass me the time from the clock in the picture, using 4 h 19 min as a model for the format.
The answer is 10 h 23 min
